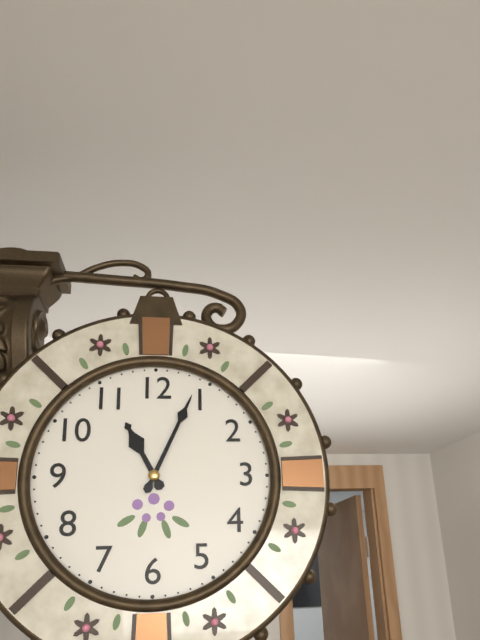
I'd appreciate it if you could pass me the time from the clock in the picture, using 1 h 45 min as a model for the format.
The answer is 11 h 04 min
